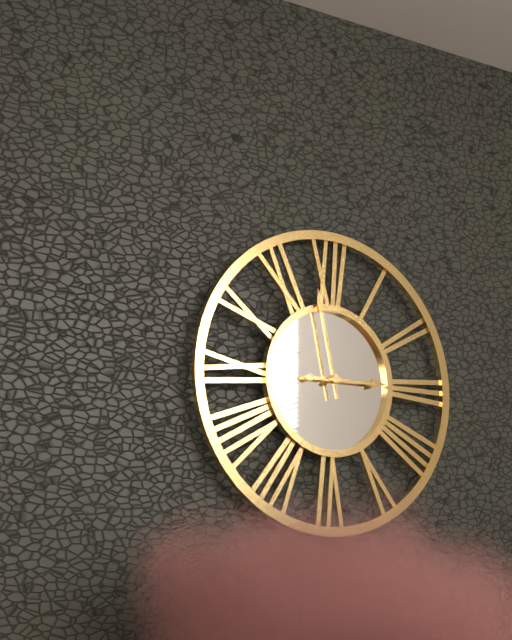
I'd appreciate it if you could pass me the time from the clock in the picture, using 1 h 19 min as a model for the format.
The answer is 2 h 58 min
